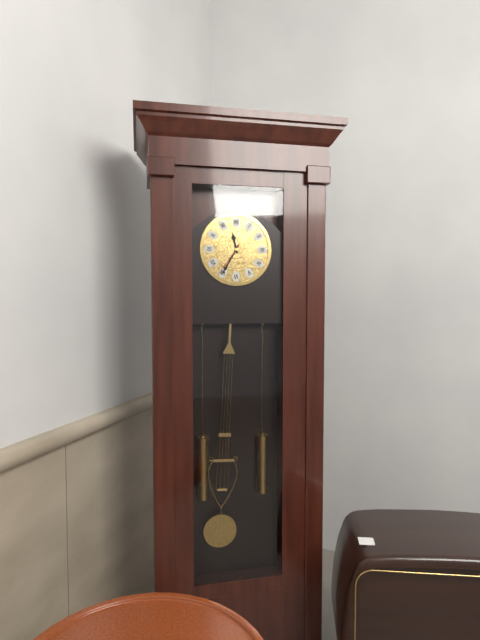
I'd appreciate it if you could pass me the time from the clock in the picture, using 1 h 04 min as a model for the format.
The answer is 11 h 35 min
